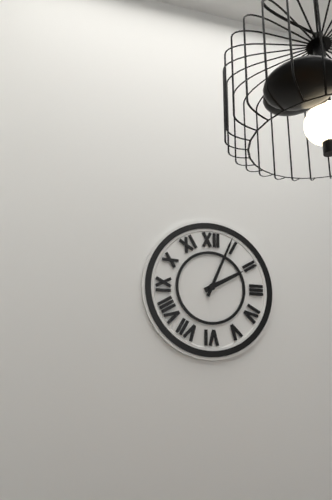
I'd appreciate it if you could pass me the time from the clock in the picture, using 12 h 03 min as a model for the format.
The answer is 2 h 04 min
